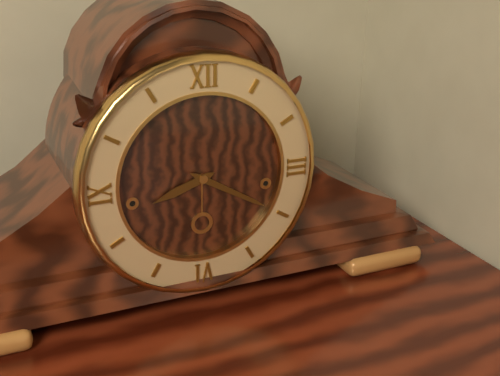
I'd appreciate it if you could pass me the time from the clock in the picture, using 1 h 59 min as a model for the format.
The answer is 8 h 20 min
